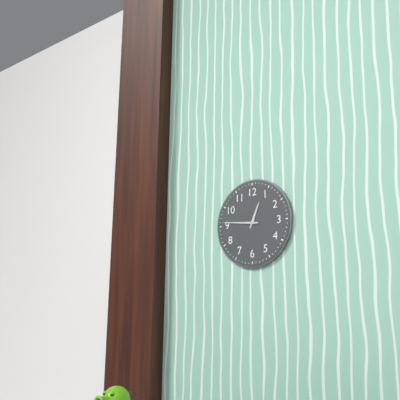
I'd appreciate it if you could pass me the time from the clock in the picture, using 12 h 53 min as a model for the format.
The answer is 12 h 46 min
